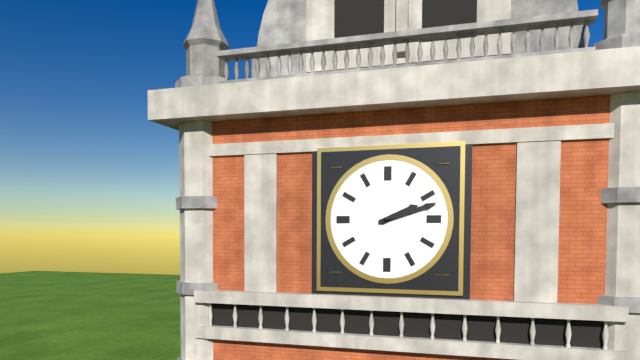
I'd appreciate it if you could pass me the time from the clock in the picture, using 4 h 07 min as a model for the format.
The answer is 2 h 12 min
